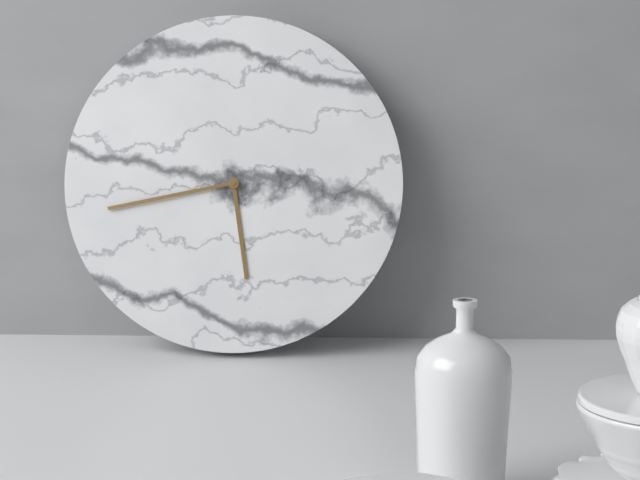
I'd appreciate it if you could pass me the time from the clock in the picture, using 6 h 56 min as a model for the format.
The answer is 5 h 43 min
